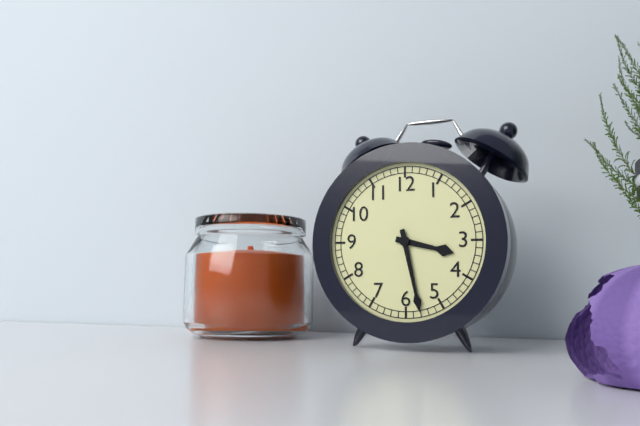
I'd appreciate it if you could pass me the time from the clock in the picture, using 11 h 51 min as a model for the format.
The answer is 3 h 28 min
